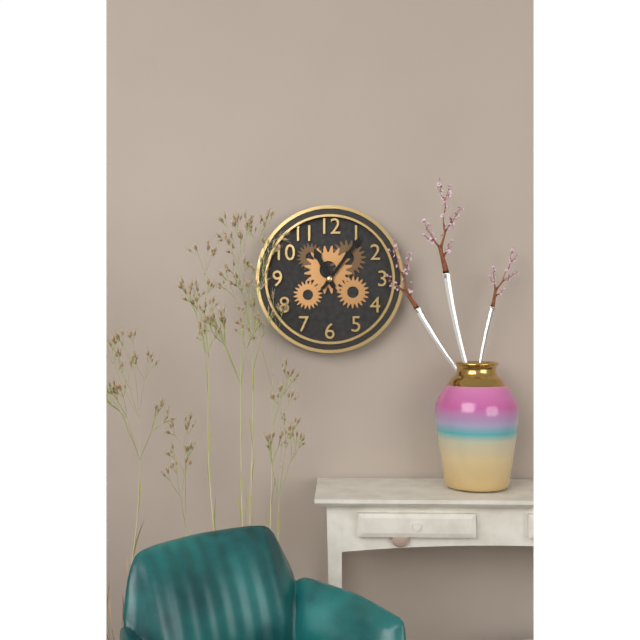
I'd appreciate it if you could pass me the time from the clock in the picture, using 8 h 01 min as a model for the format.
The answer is 11 h 06 min
